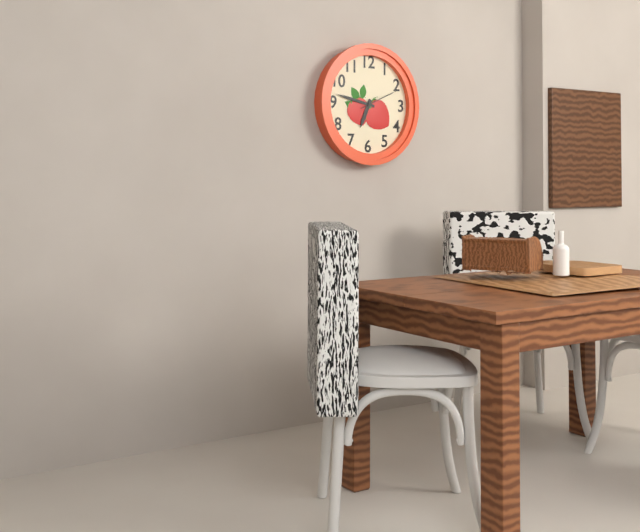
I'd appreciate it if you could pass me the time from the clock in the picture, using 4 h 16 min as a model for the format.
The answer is 6 h 47 min
